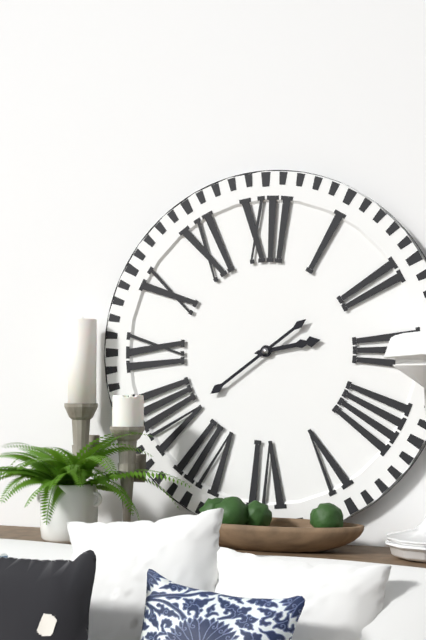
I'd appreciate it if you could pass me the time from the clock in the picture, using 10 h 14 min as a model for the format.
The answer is 2 h 39 min
